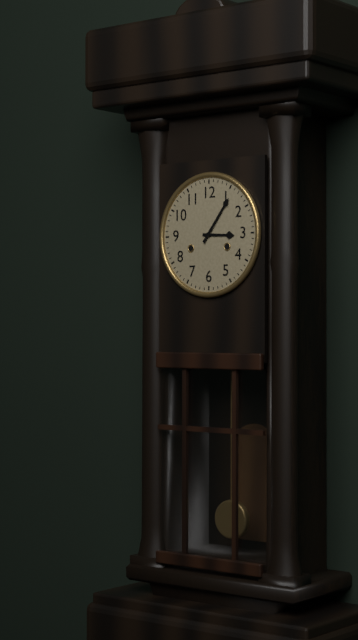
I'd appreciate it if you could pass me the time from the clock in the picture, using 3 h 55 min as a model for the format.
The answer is 3 h 06 min
